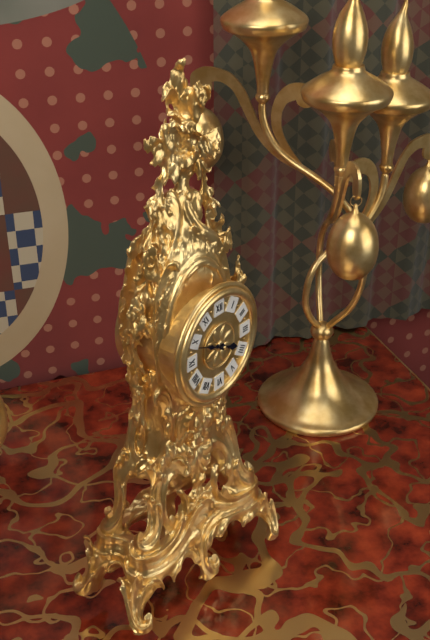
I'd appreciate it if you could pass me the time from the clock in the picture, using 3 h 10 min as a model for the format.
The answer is 3 h 49 min
